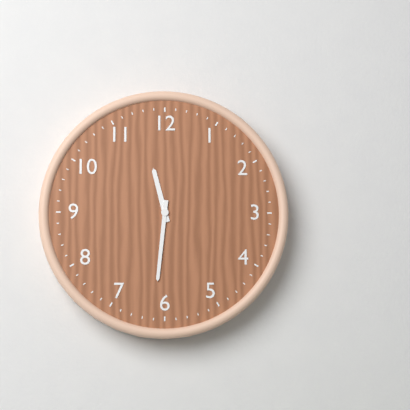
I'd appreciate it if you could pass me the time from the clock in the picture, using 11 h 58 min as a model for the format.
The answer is 11 h 31 min
